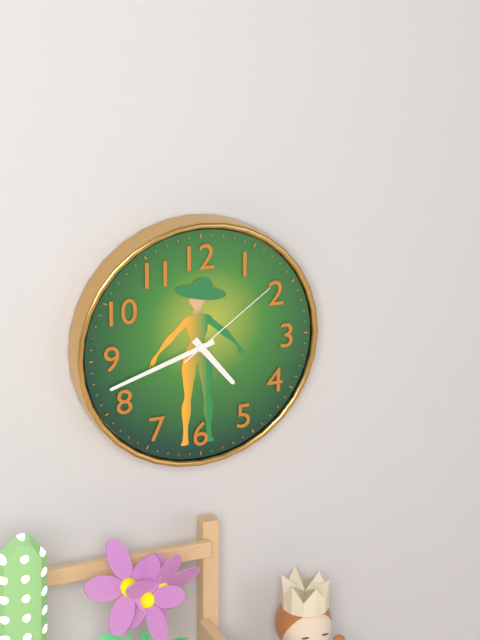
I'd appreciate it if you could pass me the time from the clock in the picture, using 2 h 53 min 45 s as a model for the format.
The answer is 4 h 42 min 09 s
